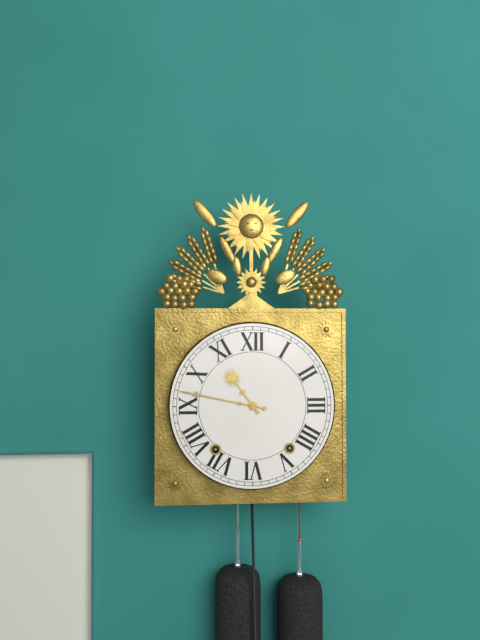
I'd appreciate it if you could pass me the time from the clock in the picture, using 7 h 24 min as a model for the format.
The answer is 10 h 47 min
